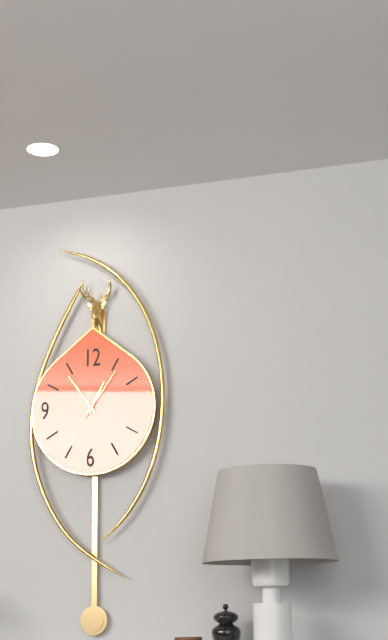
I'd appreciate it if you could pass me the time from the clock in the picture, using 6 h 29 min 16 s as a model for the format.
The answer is 12 h 54 min 06 s
